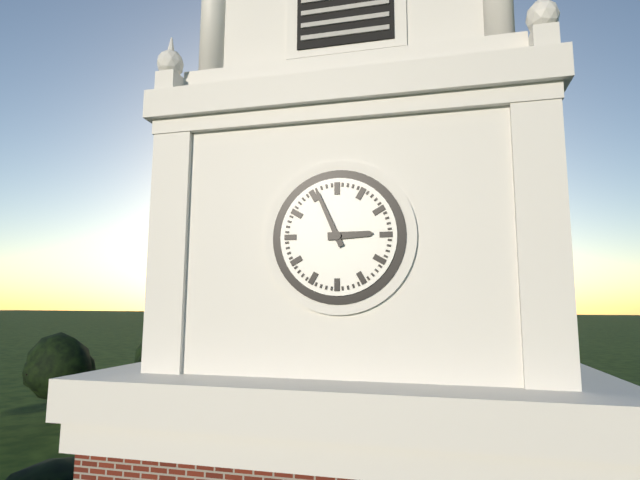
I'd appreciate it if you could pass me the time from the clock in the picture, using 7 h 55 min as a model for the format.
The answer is 2 h 56 min
